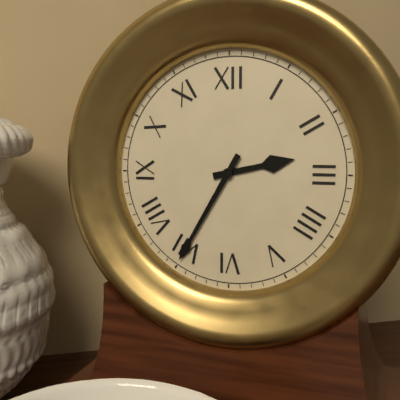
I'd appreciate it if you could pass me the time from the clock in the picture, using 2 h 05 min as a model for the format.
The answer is 2 h 35 min
